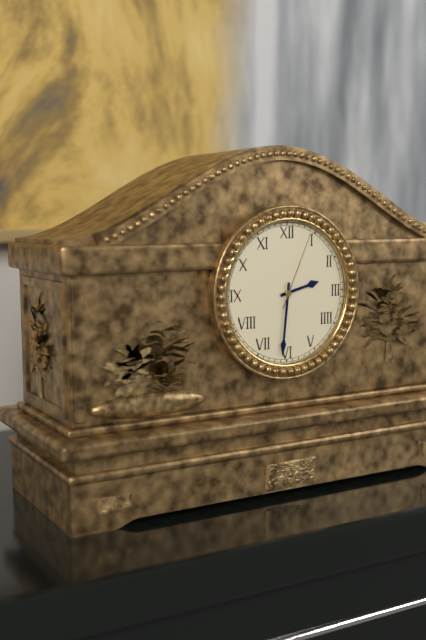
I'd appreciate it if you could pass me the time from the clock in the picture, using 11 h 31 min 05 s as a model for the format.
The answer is 2 h 31 min 04 s
